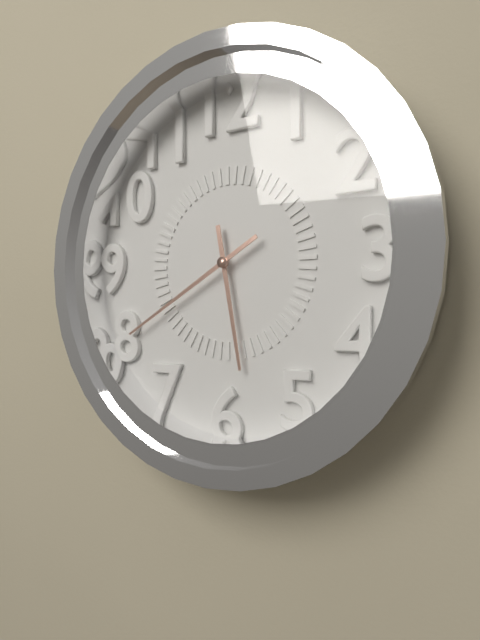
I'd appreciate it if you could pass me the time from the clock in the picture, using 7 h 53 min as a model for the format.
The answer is 5 h 40 min
